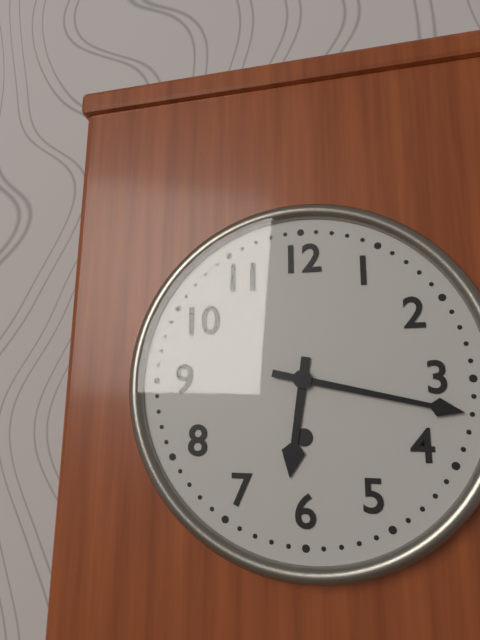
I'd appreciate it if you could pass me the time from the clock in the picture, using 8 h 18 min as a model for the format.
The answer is 6 h 17 min
